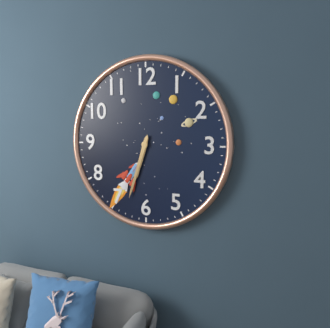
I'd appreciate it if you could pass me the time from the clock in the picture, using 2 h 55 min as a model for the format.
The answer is 6 h 33 min
